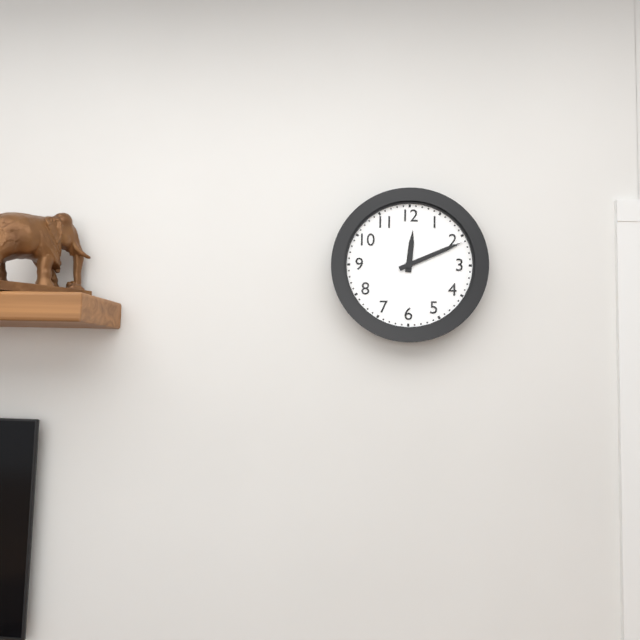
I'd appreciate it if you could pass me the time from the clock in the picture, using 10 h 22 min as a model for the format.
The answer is 12 h 11 min
